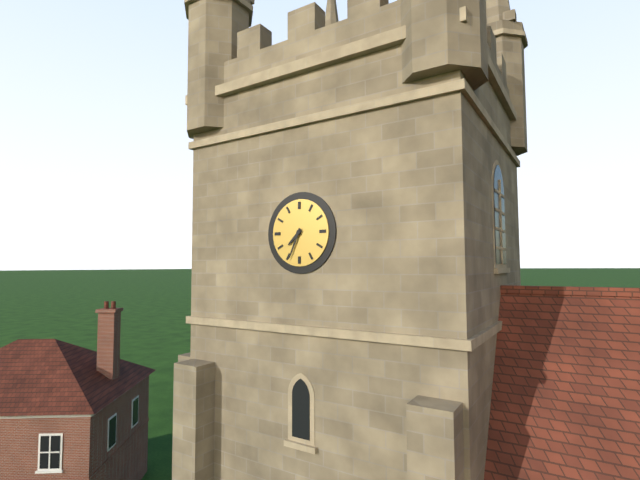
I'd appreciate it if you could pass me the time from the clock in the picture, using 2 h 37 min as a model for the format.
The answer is 7 h 34 min
